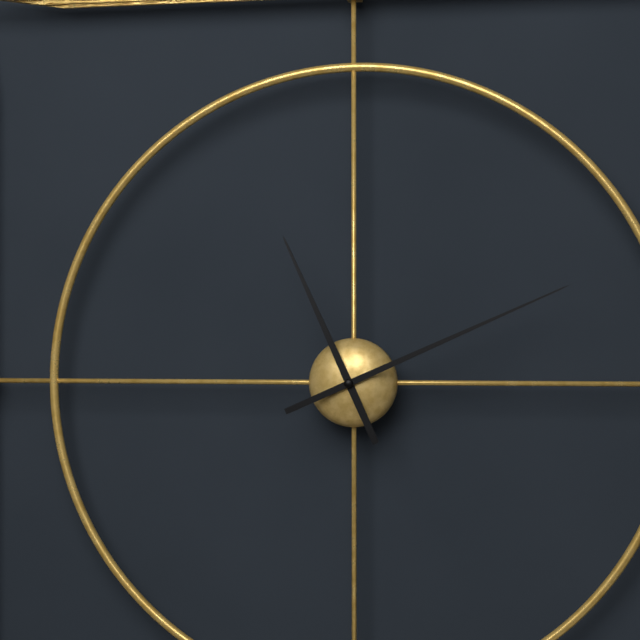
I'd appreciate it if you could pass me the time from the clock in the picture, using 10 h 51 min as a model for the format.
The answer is 11 h 11 min
